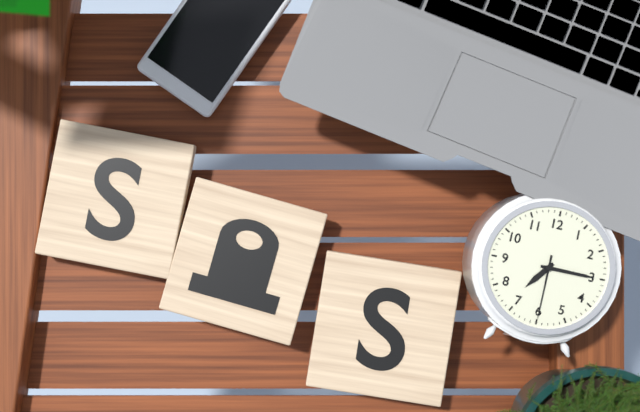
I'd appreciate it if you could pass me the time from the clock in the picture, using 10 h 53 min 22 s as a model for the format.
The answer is 7 h 15 min 30 s
